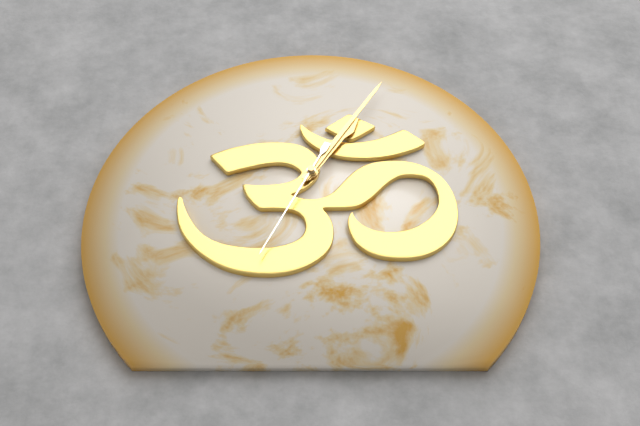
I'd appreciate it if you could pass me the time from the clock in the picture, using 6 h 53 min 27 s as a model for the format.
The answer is 1 h 05 min 34 s
